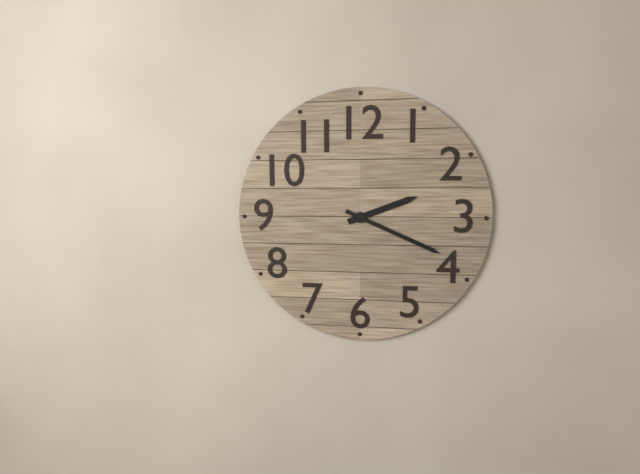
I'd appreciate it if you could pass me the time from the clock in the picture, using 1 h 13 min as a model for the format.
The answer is 2 h 19 min
